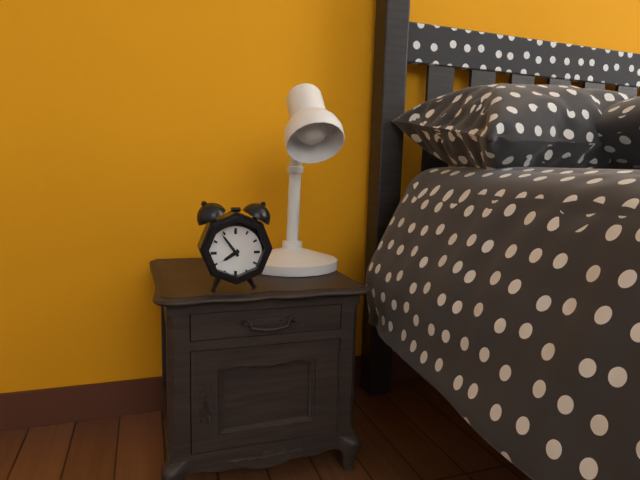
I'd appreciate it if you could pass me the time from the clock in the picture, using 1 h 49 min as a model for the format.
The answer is 7 h 54 min
